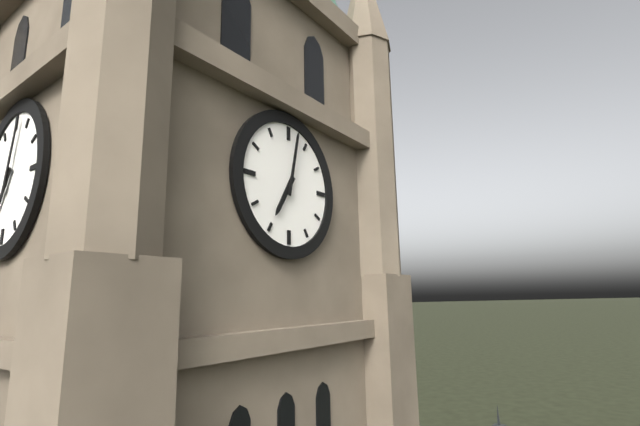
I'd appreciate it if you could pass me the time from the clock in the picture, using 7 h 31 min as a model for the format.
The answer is 7 h 02 min
